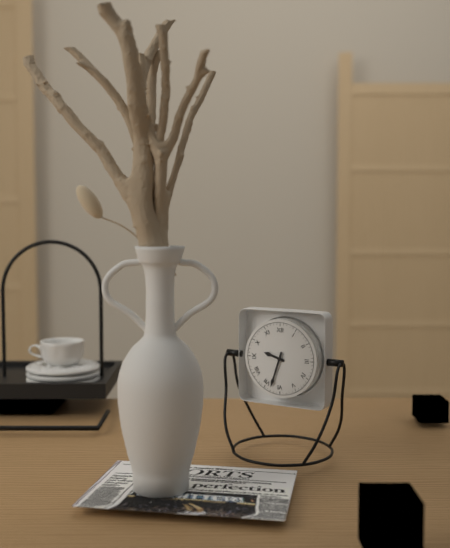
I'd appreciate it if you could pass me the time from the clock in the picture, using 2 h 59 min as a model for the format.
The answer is 9 h 33 min
